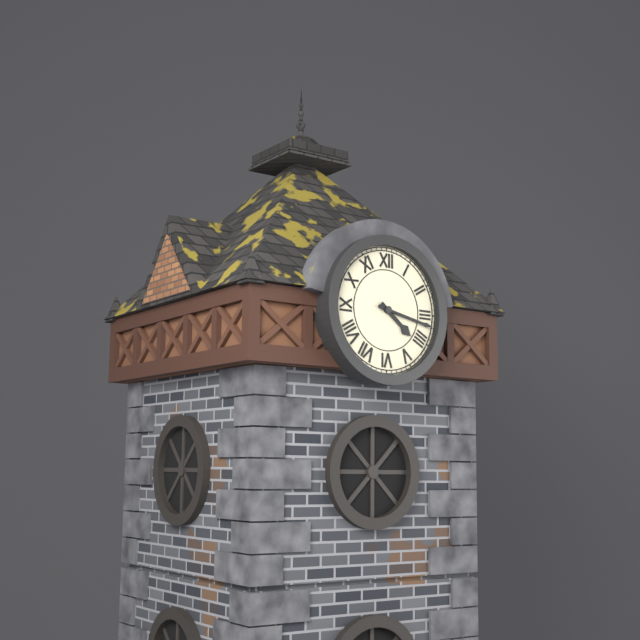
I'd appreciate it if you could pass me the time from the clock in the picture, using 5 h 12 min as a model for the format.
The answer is 4 h 17 min
